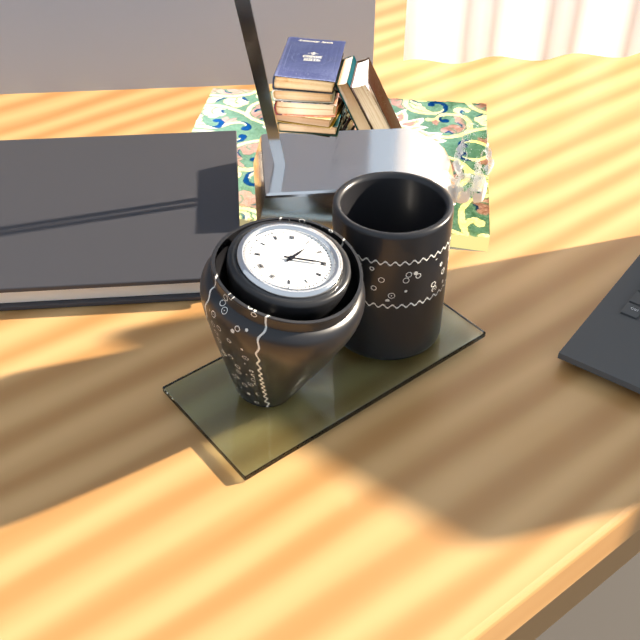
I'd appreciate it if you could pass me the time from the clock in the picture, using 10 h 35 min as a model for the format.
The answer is 1 h 15 min
